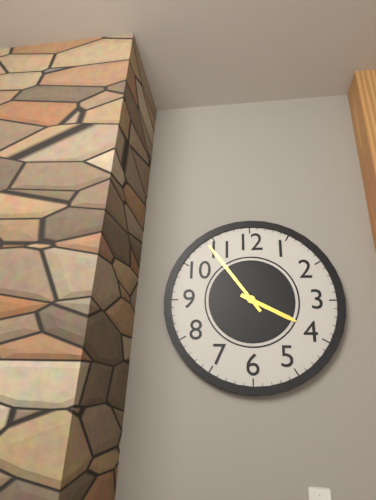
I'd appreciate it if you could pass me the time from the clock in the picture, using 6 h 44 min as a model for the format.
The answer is 3 h 54 min
